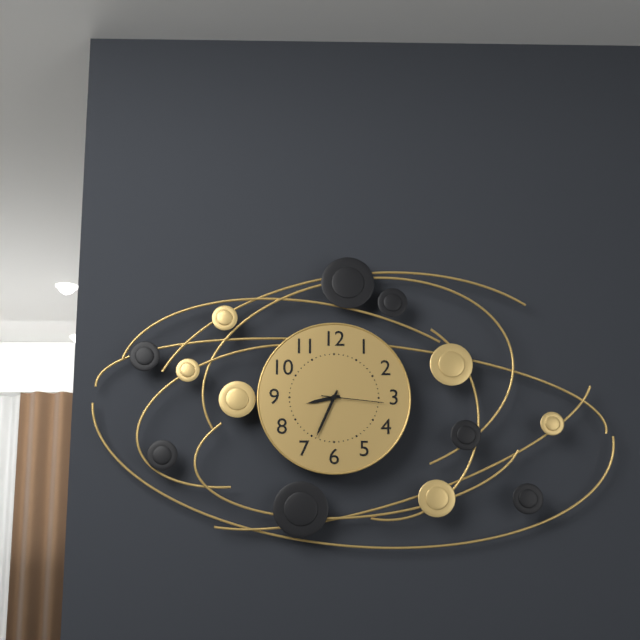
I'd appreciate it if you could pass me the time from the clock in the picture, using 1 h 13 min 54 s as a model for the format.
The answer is 8 h 34 min 16 s
